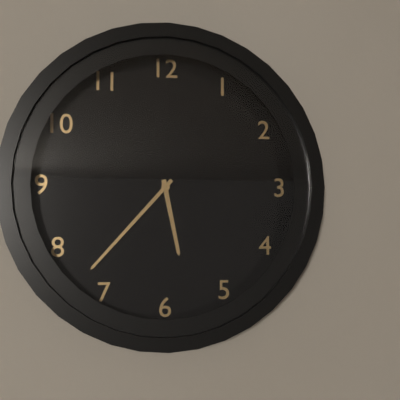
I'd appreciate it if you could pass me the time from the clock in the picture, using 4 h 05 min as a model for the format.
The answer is 5 h 37 min
